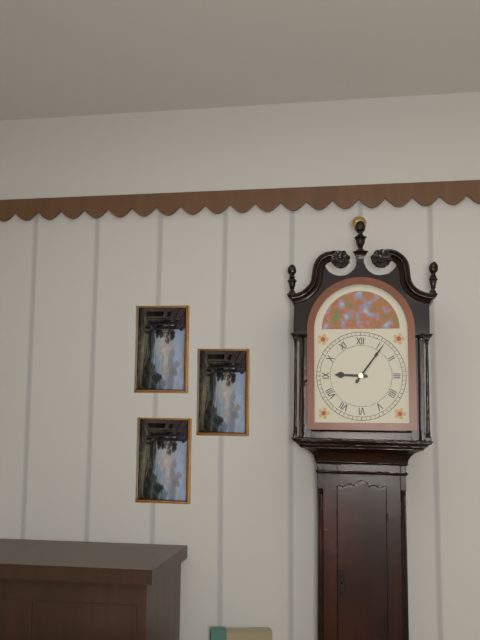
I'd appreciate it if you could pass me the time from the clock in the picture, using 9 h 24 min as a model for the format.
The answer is 9 h 06 min
